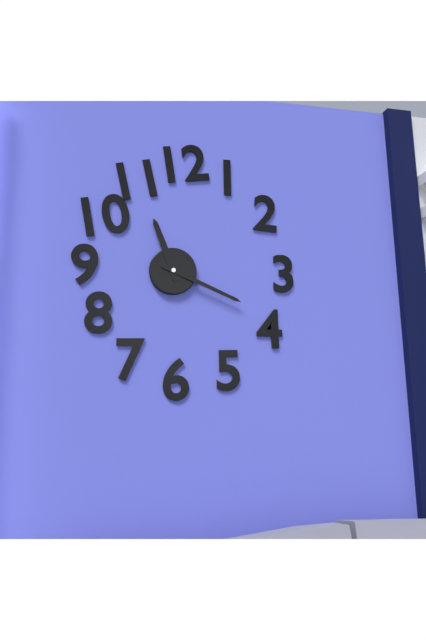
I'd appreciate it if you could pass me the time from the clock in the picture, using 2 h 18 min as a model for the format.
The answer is 11 h 19 min
